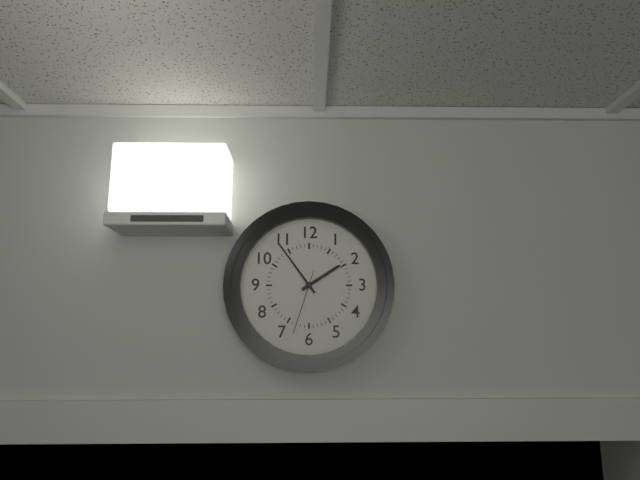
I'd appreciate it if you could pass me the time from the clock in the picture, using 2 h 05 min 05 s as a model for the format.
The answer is 1 h 54 min 33 s
